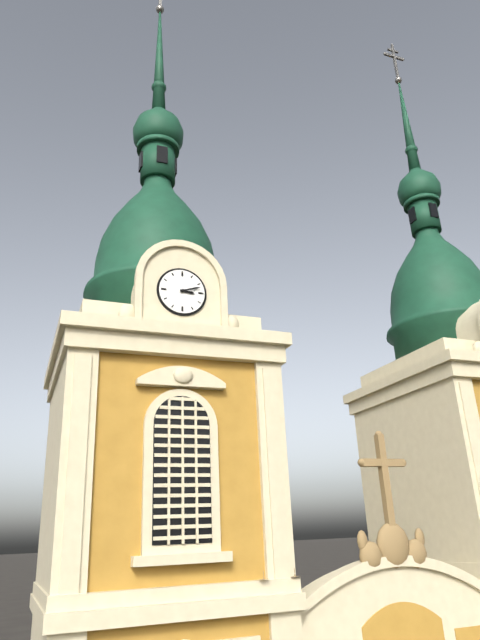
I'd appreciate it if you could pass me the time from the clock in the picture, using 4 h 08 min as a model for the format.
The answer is 3 h 12 min
